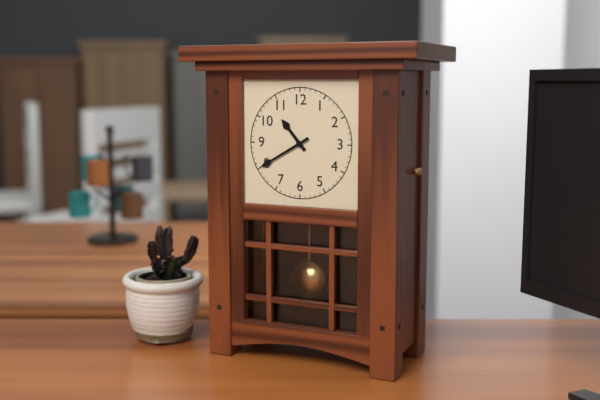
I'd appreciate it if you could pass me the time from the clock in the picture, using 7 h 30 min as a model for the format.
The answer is 10 h 40 min
